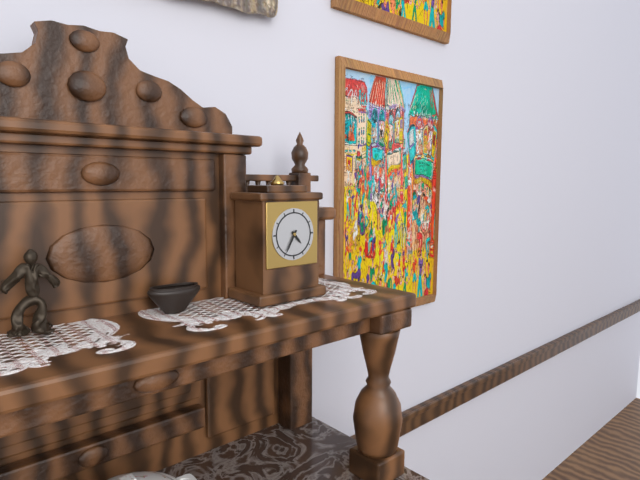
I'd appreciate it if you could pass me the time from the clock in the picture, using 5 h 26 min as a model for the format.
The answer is 4 h 35 min
